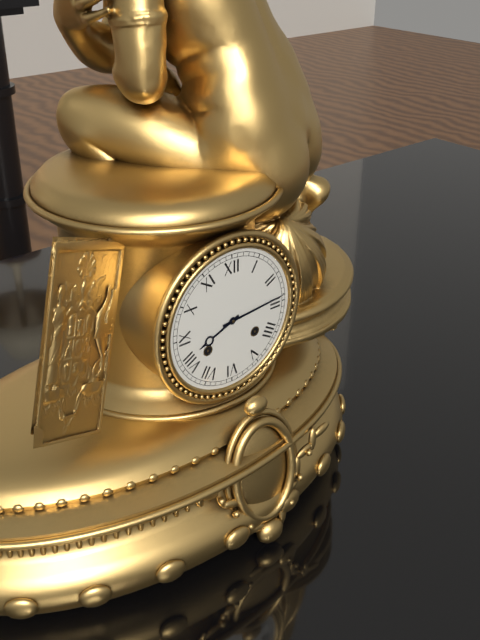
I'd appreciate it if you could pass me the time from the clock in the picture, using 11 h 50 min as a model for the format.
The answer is 8 h 14 min
